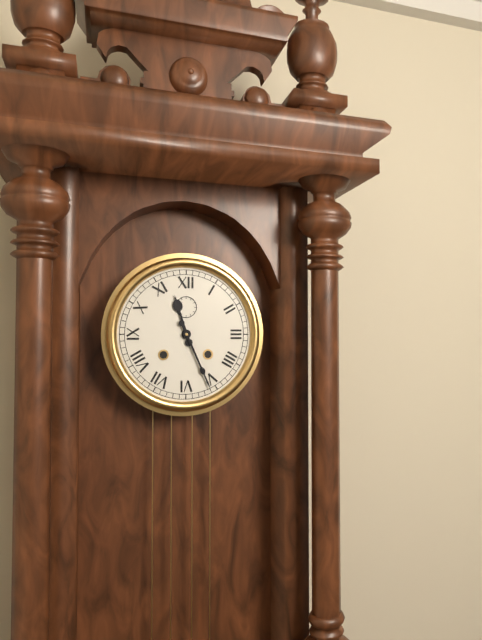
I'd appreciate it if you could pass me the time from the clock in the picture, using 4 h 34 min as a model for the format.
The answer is 11 h 26 min
